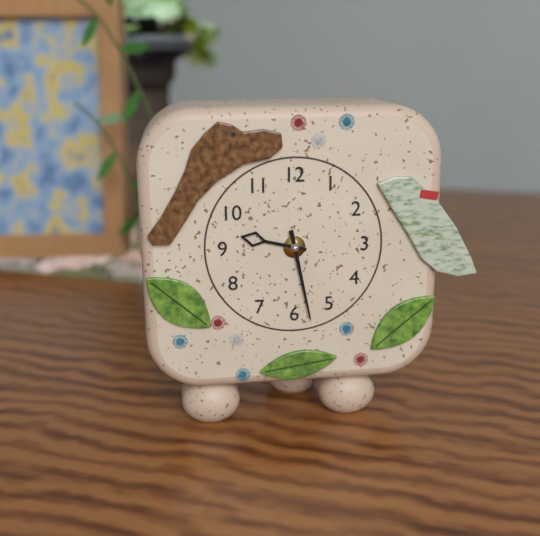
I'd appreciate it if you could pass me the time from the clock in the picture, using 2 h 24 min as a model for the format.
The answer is 9 h 28 min
